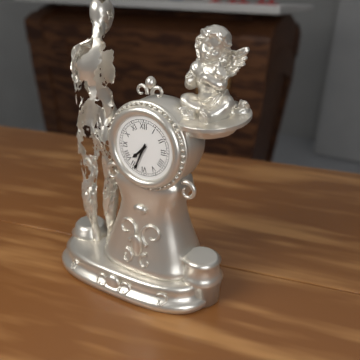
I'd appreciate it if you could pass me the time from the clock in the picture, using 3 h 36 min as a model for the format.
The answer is 7 h 34 min
